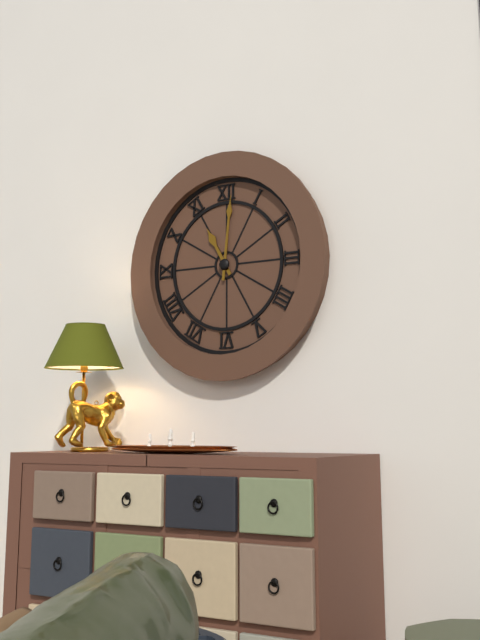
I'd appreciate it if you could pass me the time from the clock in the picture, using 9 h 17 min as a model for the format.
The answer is 11 h 01 min
